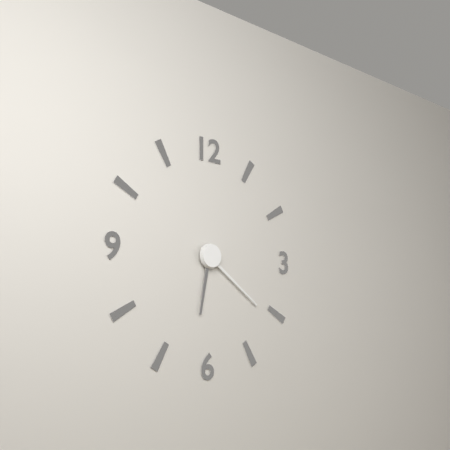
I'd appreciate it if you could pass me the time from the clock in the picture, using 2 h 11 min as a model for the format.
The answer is 6 h 21 min
